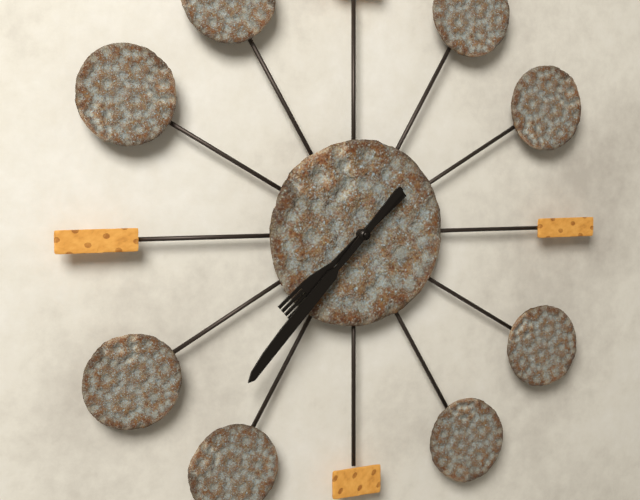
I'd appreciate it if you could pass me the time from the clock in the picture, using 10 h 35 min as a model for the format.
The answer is 7 h 37 min
